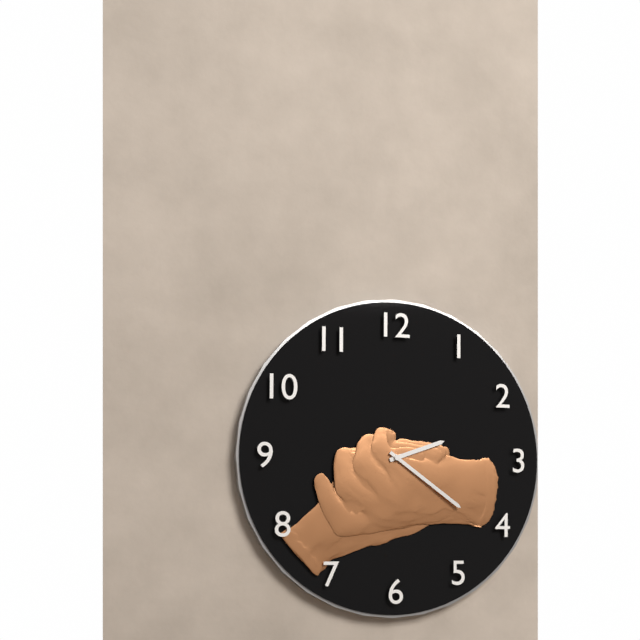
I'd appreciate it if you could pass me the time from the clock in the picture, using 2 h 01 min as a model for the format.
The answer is 2 h 21 min
